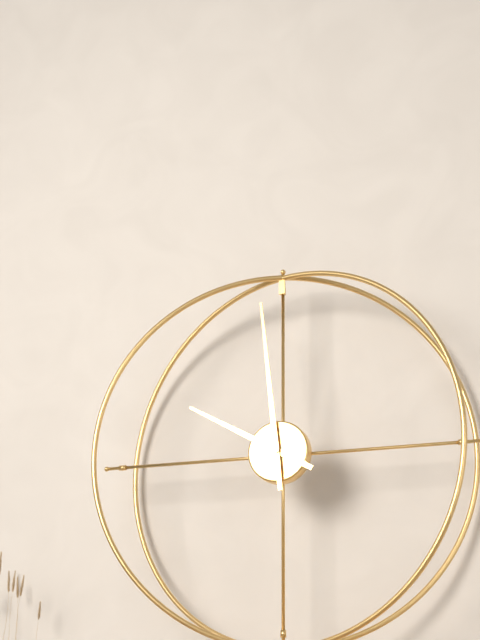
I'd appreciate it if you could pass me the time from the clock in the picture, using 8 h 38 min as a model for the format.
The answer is 9 h 59 min
